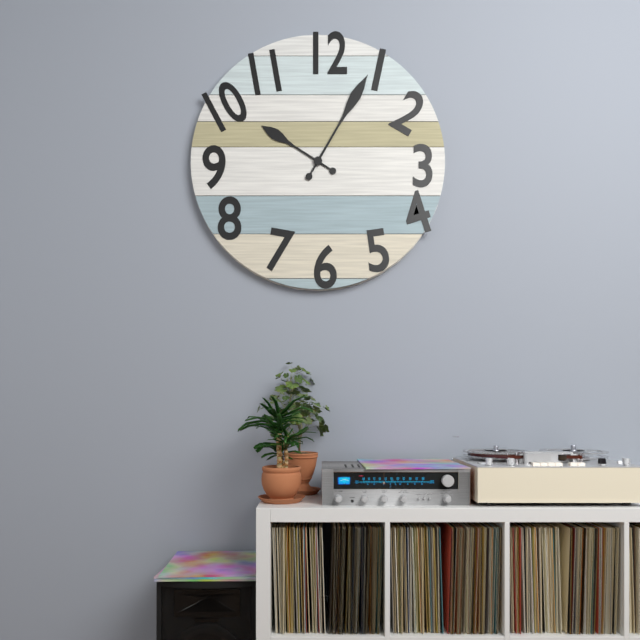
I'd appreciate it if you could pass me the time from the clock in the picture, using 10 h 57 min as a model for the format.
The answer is 10 h 05 min
